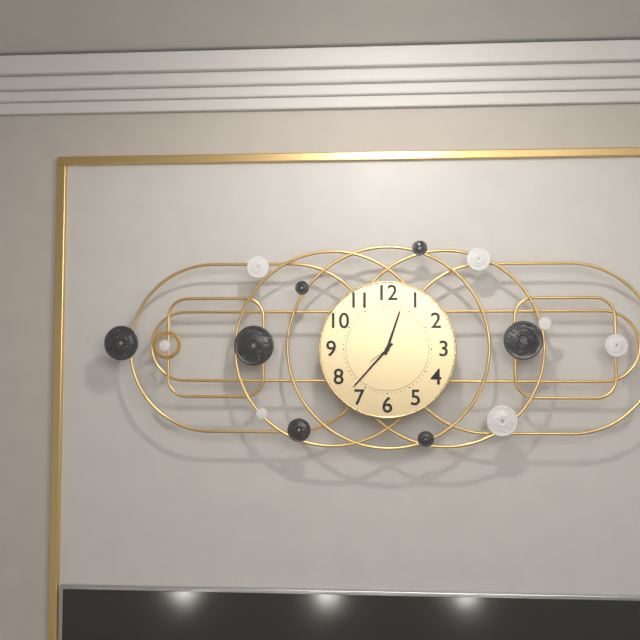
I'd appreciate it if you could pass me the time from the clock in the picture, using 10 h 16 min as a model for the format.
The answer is 12 h 37 min
